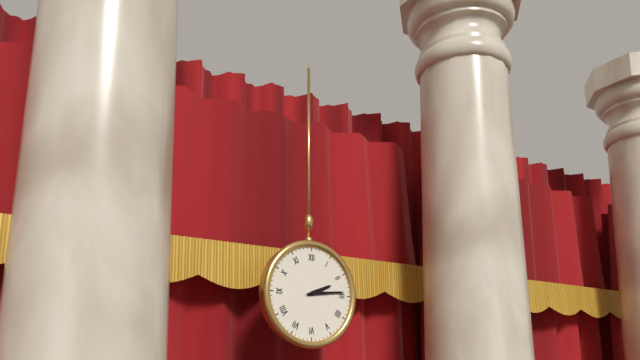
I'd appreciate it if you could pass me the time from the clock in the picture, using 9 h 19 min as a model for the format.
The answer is 2 h 14 min
